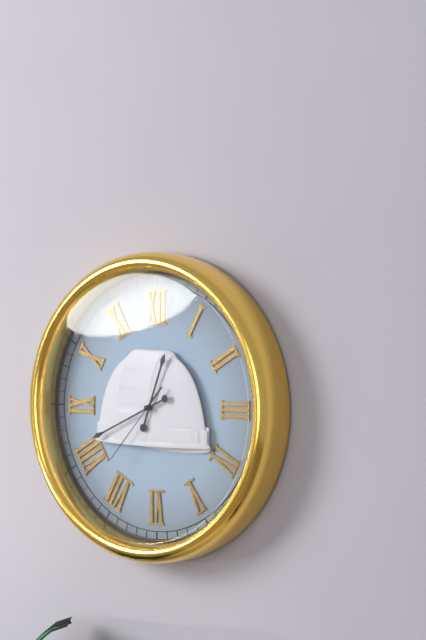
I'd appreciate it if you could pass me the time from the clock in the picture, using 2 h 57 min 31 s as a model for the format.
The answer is 12 h 41 min 37 s
